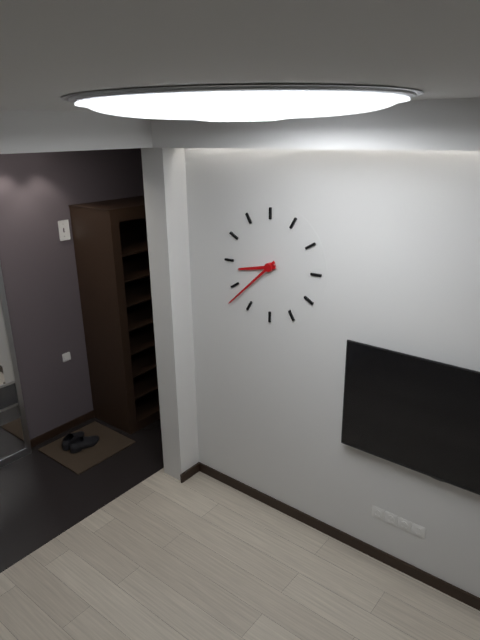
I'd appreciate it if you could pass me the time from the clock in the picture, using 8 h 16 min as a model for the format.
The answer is 8 h 38 min
